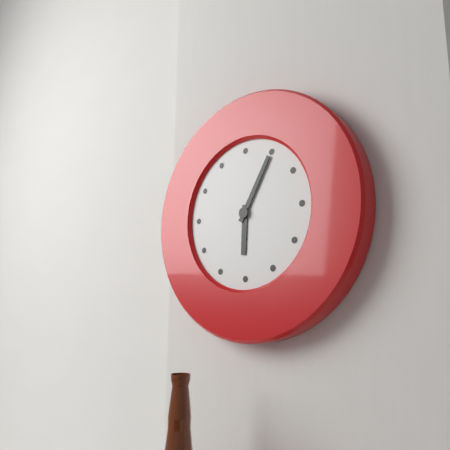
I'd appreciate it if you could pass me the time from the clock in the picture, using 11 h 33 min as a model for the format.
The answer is 6 h 05 min
